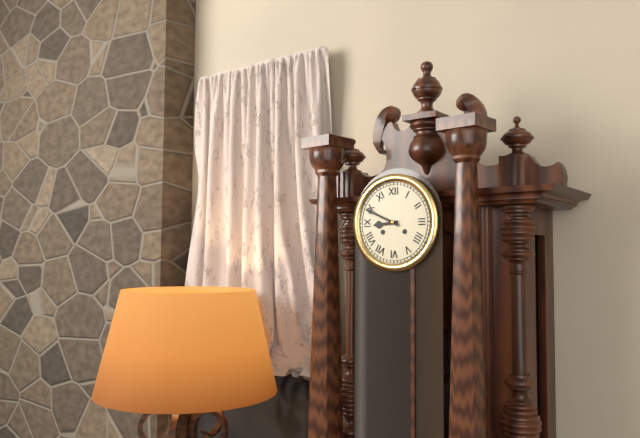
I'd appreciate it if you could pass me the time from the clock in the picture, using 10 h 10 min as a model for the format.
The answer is 8 h 49 min
